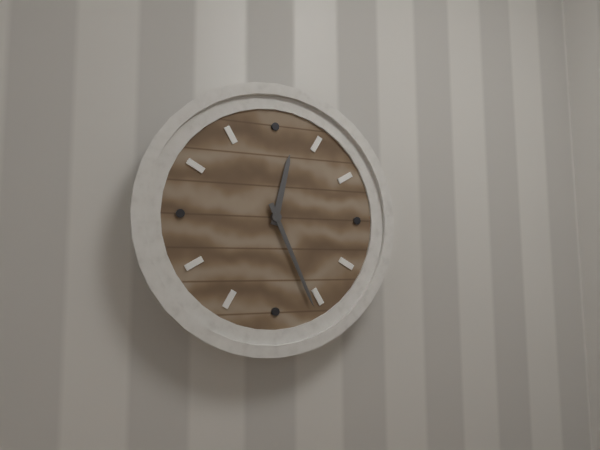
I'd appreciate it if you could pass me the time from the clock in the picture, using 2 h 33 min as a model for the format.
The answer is 12 h 26 min
